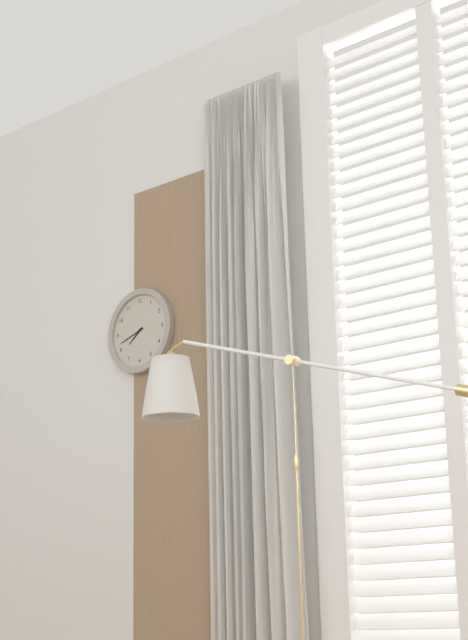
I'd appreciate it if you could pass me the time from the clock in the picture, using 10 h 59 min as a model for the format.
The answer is 7 h 42 min
